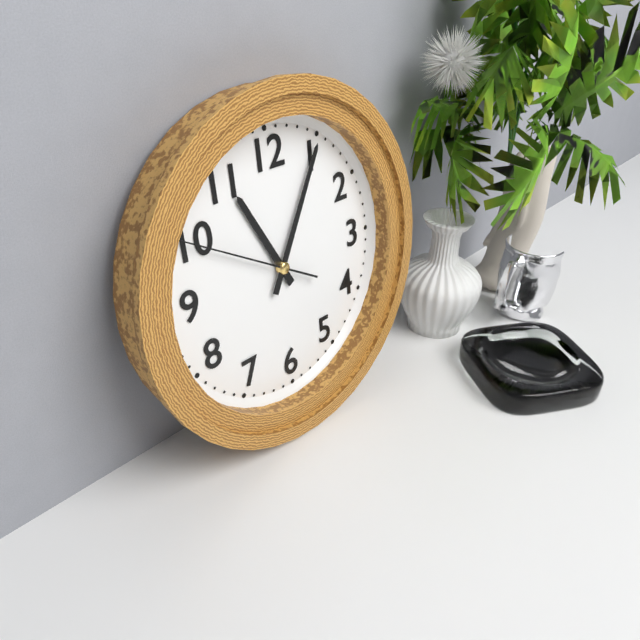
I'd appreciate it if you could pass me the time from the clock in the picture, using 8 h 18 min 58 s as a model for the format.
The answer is 11 h 05 min 50 s
